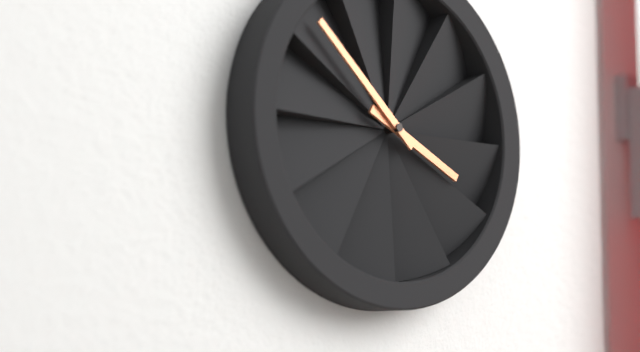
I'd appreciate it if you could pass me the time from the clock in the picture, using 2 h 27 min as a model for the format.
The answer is 3 h 52 min
